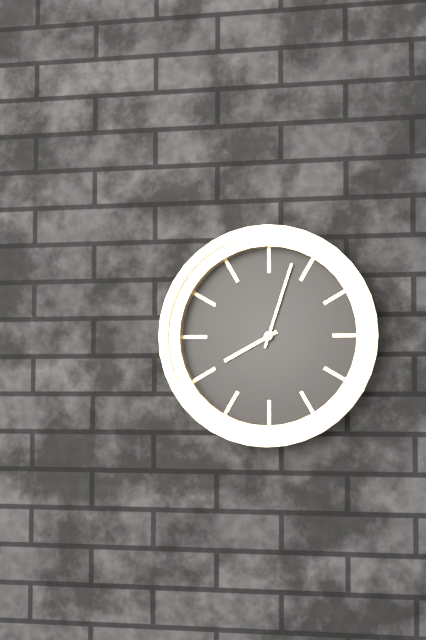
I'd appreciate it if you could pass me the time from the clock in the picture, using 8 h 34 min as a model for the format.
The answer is 8 h 03 min
